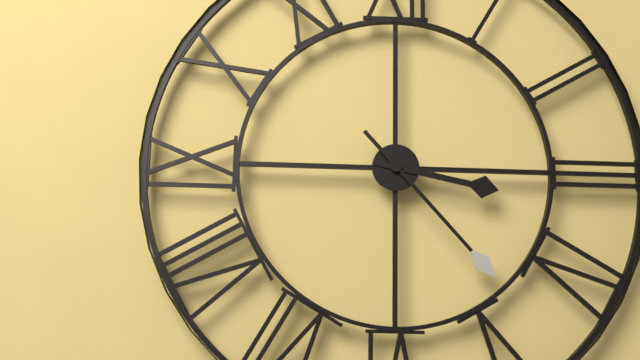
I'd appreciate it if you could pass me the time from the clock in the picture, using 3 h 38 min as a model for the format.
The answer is 3 h 23 min
